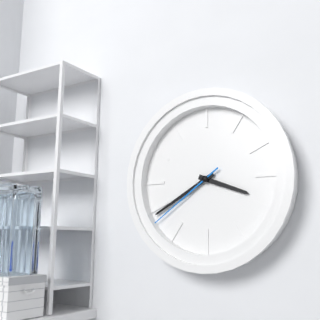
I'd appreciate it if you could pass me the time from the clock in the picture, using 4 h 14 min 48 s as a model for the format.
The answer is 3 h 40 min 39 s
